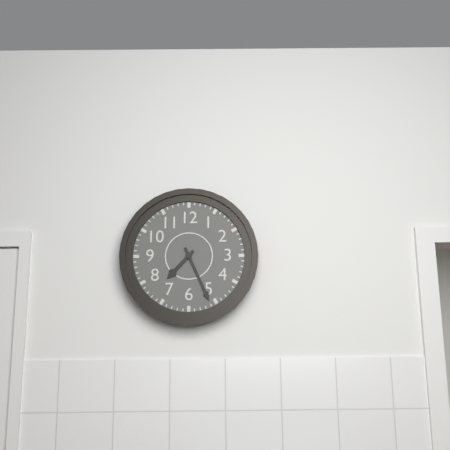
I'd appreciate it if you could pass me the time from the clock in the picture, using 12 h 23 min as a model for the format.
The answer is 7 h 26 min
